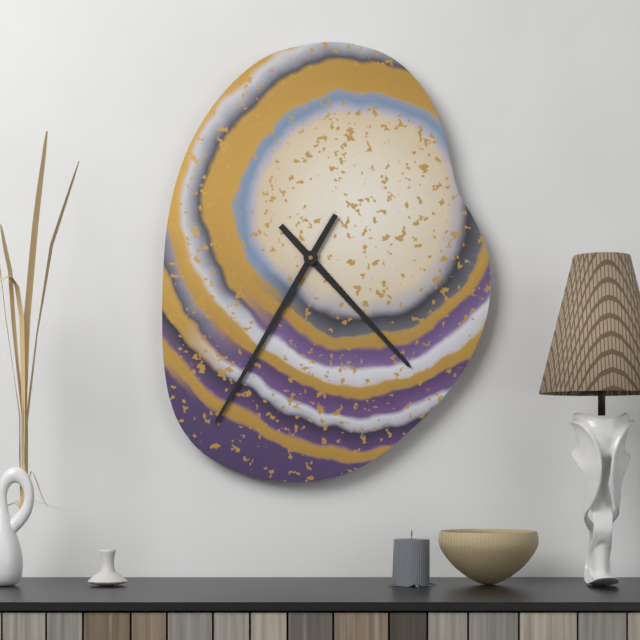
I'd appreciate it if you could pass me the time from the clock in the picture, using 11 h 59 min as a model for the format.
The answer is 4 h 35 min
